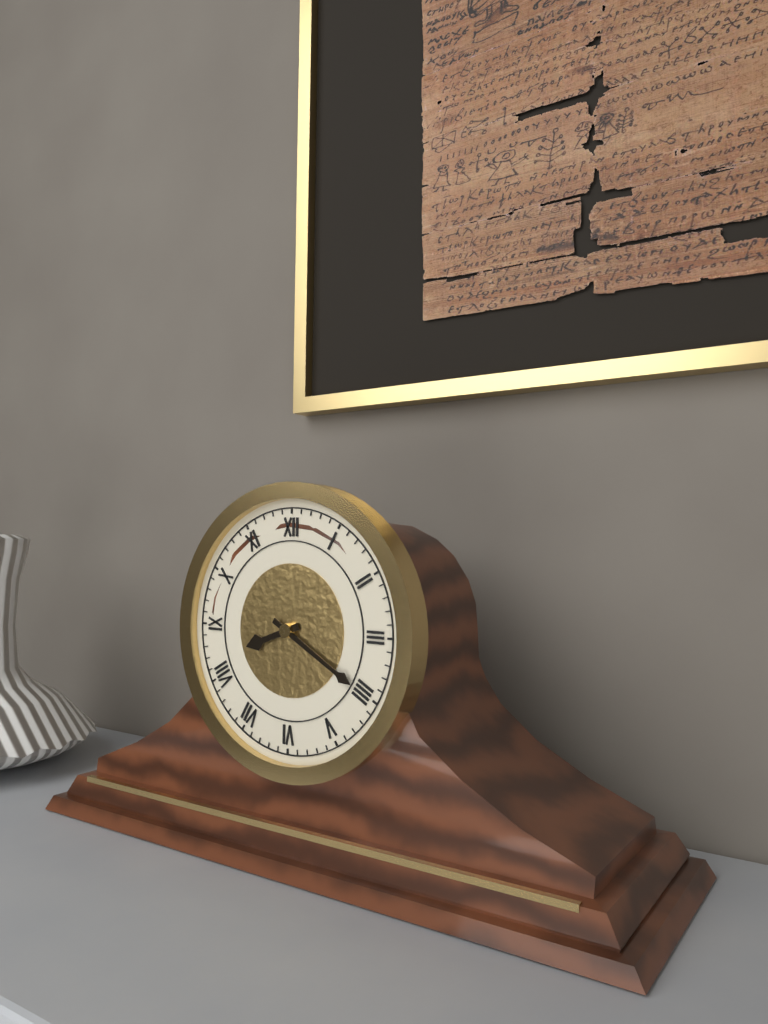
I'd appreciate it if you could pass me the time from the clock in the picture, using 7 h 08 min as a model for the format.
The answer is 8 h 20 min
